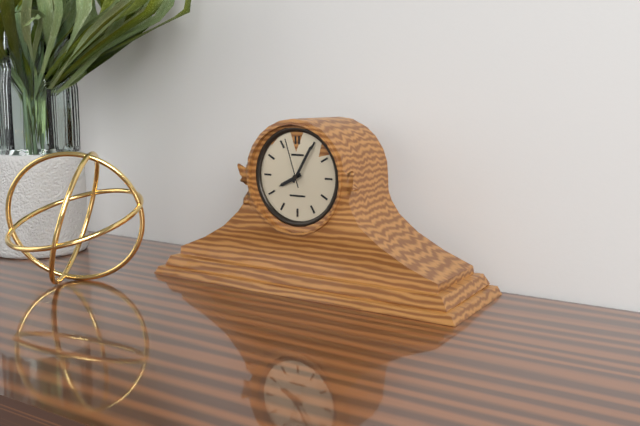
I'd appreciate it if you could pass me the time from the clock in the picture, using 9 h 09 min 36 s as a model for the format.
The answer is 8 h 05 min 57 s
